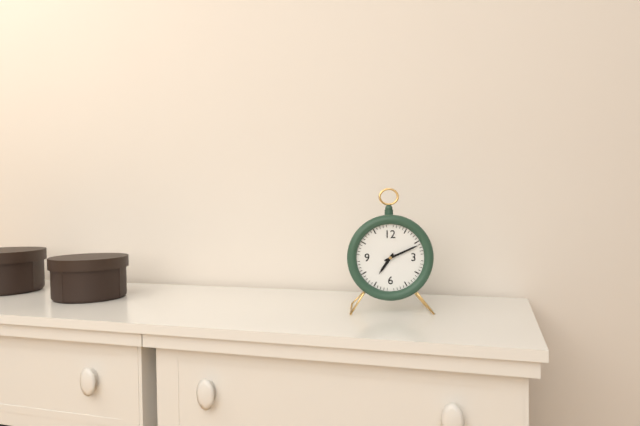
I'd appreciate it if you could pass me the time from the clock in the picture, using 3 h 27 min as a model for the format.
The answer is 7 h 11 min
